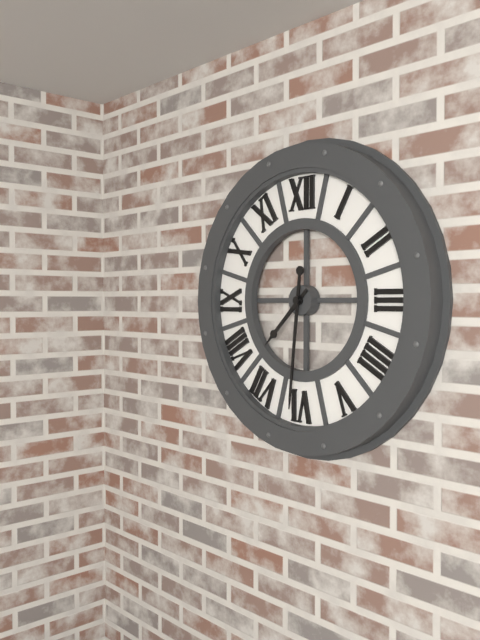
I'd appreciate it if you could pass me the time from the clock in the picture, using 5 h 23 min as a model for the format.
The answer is 7 h 31 min
